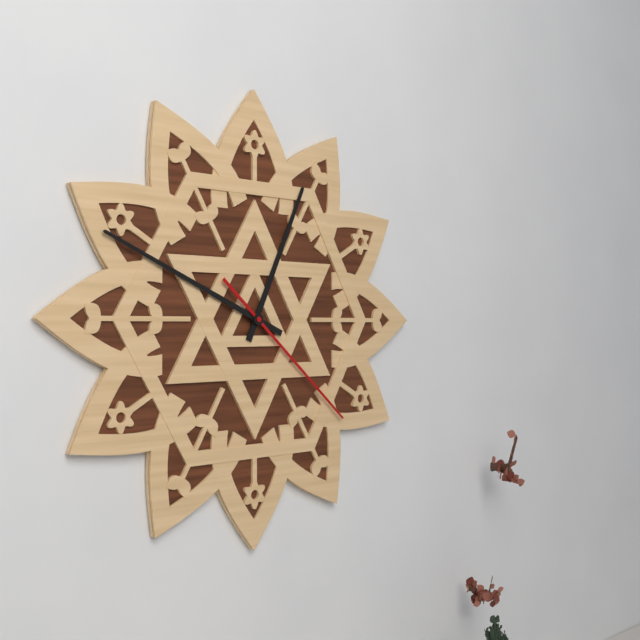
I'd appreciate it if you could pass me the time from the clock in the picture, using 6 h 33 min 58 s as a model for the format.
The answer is 12 h 49 min 22 s
